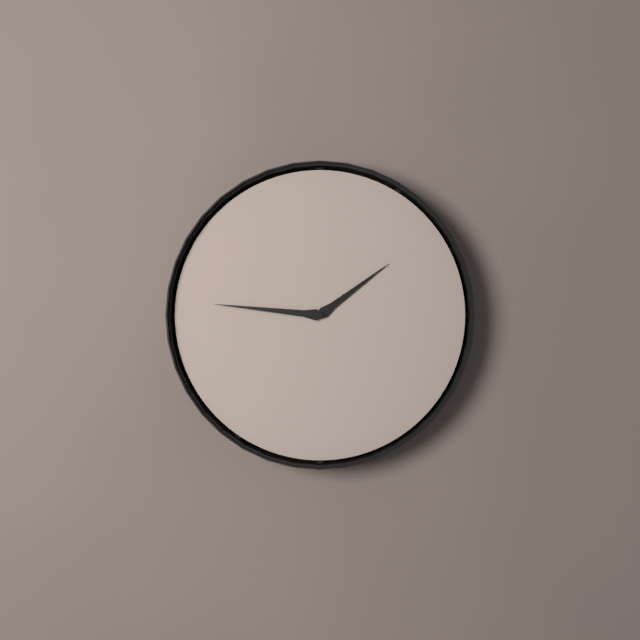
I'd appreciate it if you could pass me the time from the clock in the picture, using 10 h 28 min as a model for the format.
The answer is 1 h 46 min
